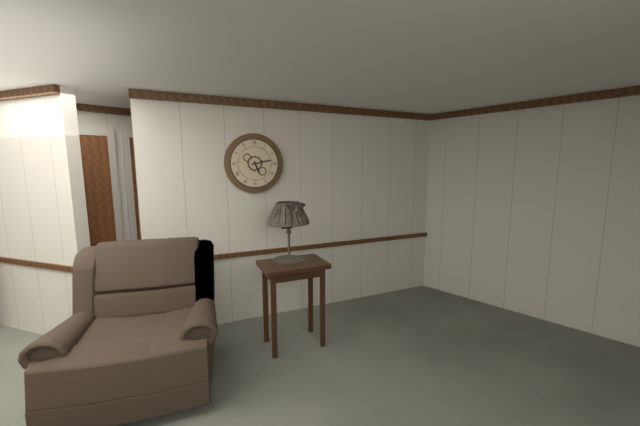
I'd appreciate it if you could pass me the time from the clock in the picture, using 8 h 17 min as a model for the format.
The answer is 5 h 13 min
